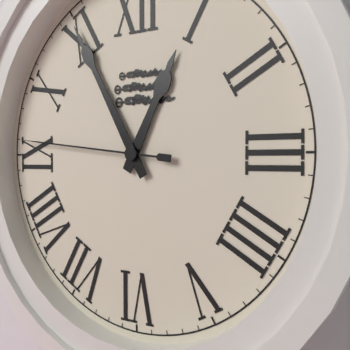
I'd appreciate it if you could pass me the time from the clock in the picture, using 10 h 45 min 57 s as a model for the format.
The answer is 12 h 55 min 46 s
